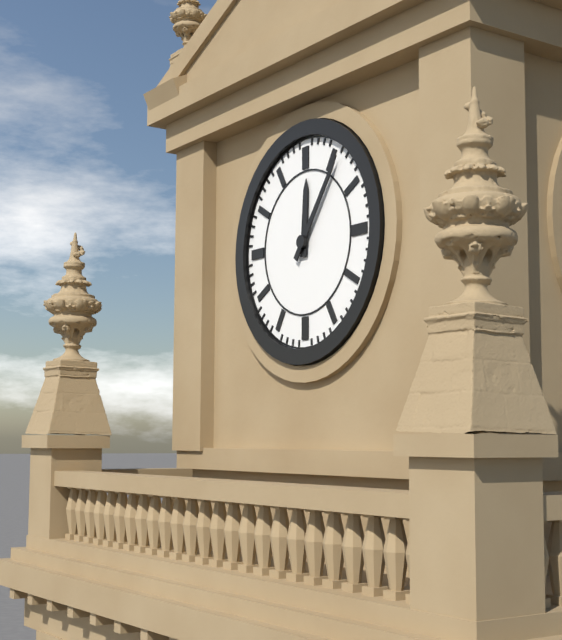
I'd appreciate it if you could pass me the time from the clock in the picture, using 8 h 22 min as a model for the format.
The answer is 12 h 06 min
